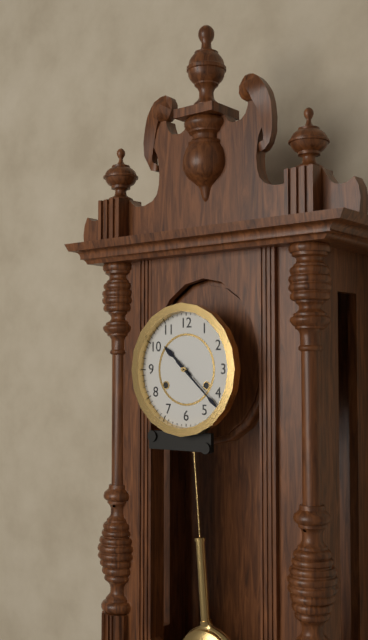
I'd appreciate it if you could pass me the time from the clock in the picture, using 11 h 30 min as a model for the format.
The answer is 10 h 22 min
